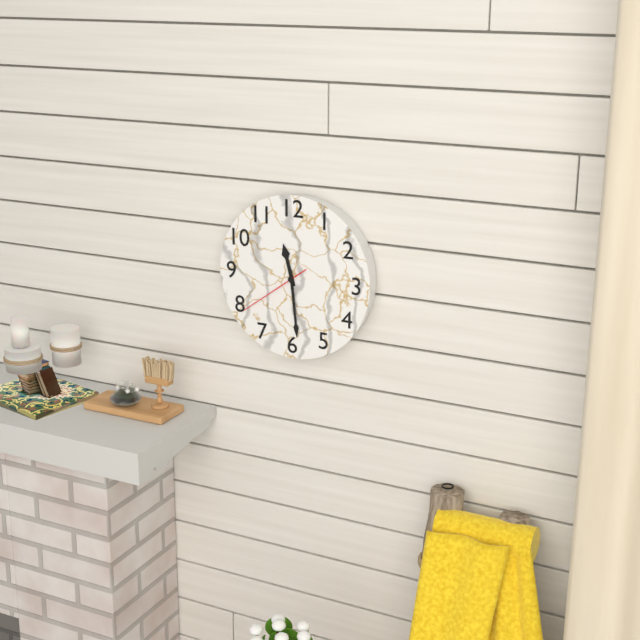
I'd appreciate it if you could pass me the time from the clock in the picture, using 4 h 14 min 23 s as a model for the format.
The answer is 11 h 29 min 39 s
